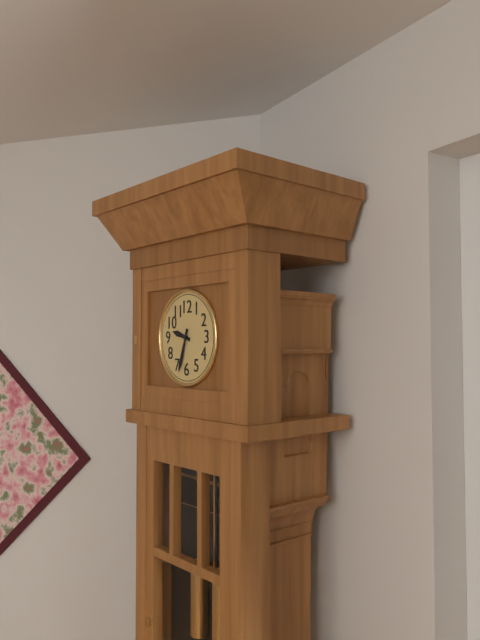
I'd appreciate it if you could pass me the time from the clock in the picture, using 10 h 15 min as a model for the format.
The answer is 9 h 33 min
